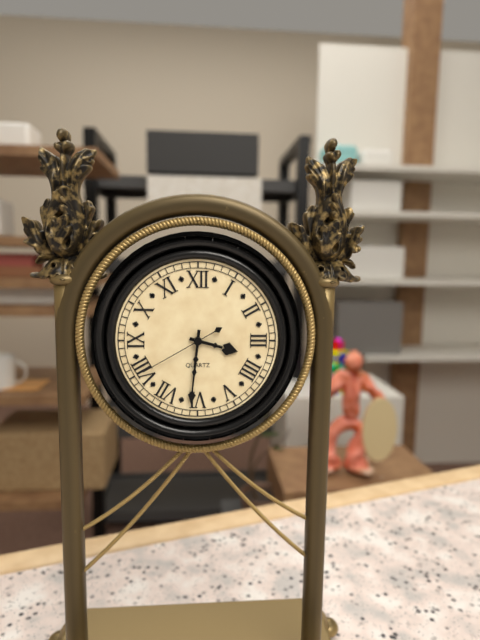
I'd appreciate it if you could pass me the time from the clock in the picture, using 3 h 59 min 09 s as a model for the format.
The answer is 3 h 31 min 40 s
